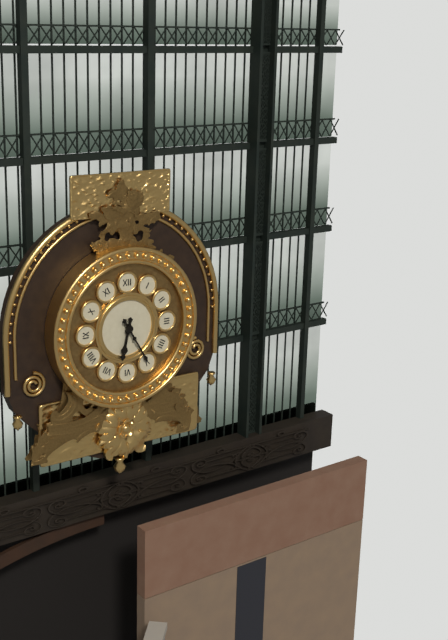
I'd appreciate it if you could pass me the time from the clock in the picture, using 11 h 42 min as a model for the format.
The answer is 6 h 25 min
